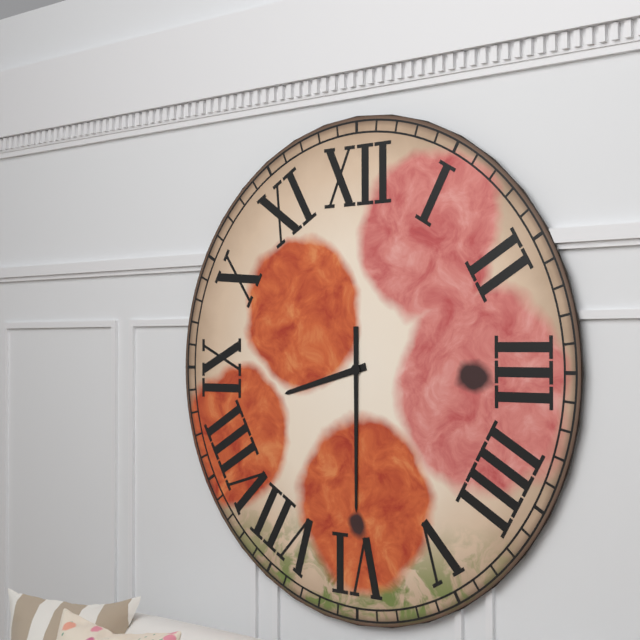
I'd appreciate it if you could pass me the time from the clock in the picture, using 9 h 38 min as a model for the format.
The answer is 8 h 30 min
